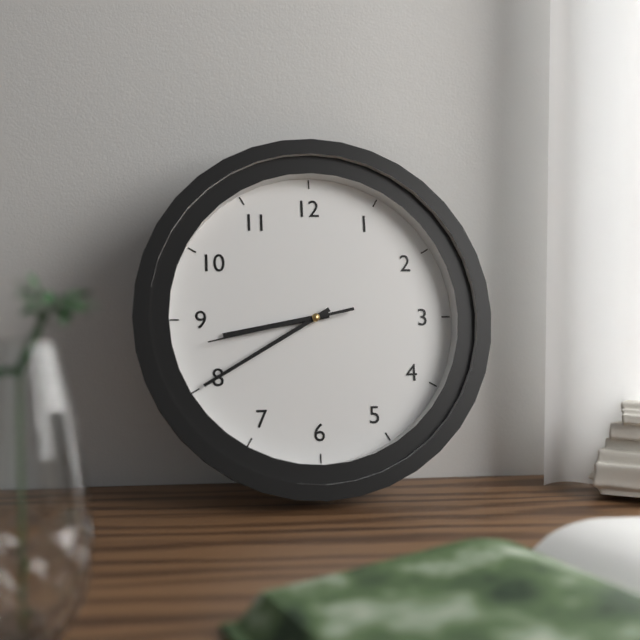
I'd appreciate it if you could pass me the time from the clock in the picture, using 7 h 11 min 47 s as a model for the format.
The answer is 8 h 40 min 43 s
